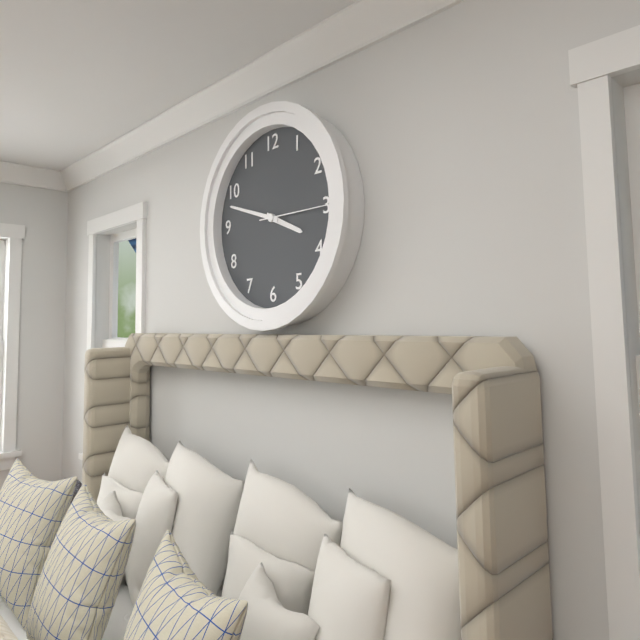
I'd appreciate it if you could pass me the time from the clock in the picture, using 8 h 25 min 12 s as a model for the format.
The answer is 3 h 48 min 15 s
